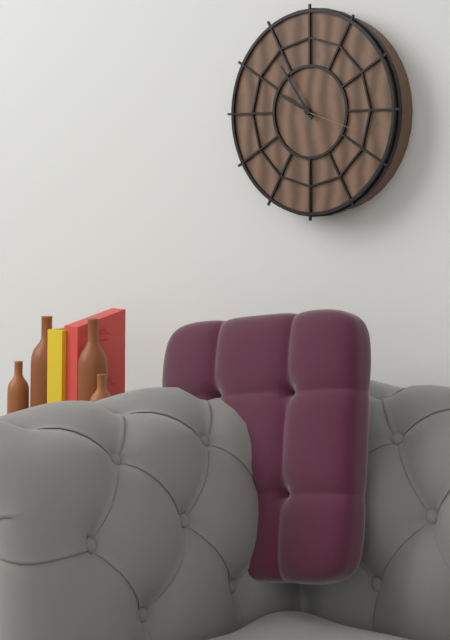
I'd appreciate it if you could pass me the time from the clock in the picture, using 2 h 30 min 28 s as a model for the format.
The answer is 9 h 54 min 18 s
